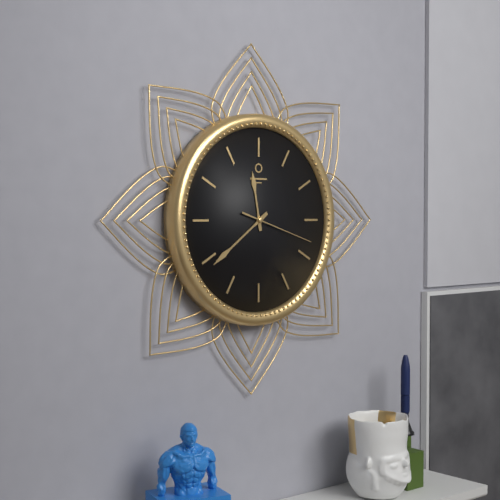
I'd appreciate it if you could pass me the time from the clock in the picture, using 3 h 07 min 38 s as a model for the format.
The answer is 11 h 39 min 18 s
